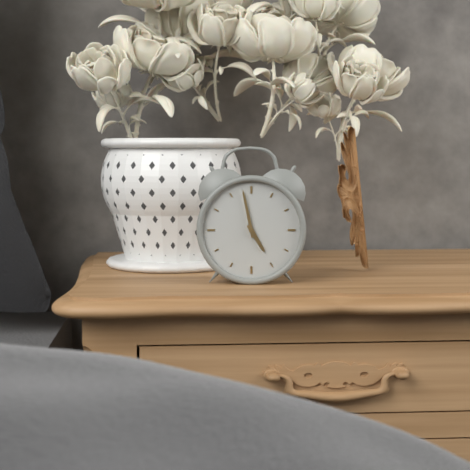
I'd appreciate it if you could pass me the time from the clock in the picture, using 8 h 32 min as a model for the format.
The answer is 4 h 58 min
